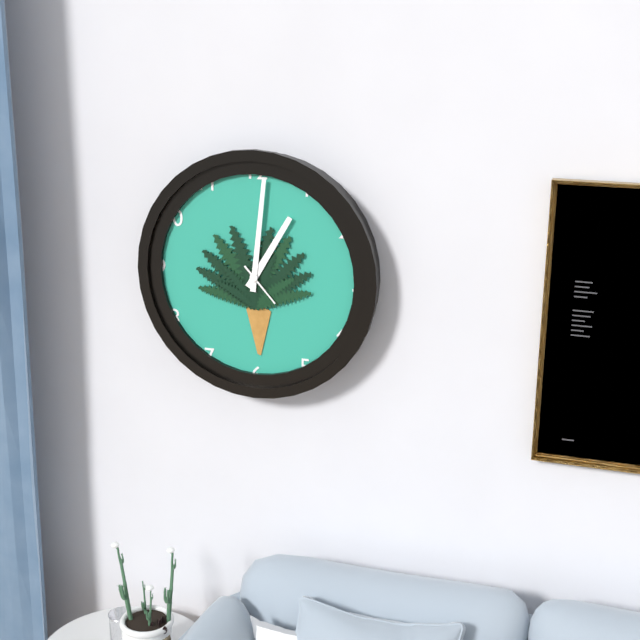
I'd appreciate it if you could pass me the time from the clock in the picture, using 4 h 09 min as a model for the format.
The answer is 1 h 01 min
